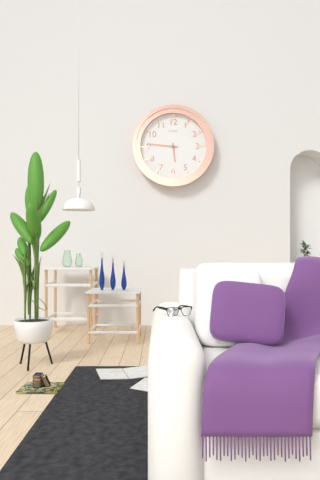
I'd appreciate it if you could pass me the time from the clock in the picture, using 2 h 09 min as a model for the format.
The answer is 5 h 46 min
